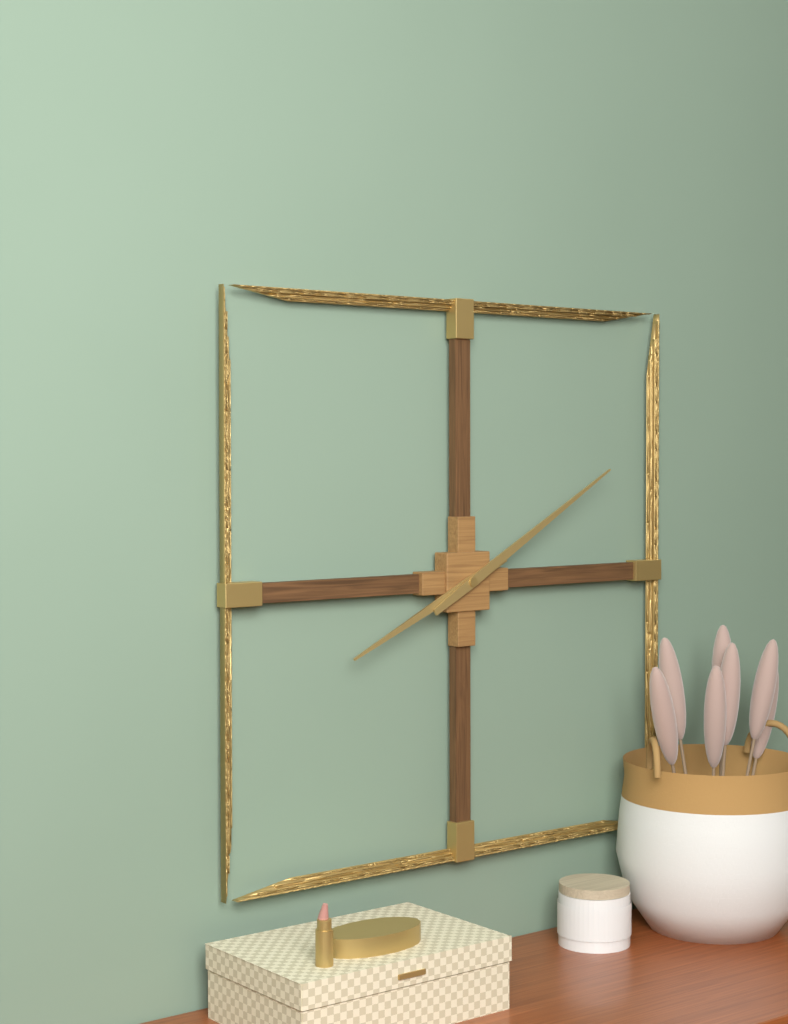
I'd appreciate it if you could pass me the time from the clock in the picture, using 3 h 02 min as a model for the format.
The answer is 8 h 10 min
